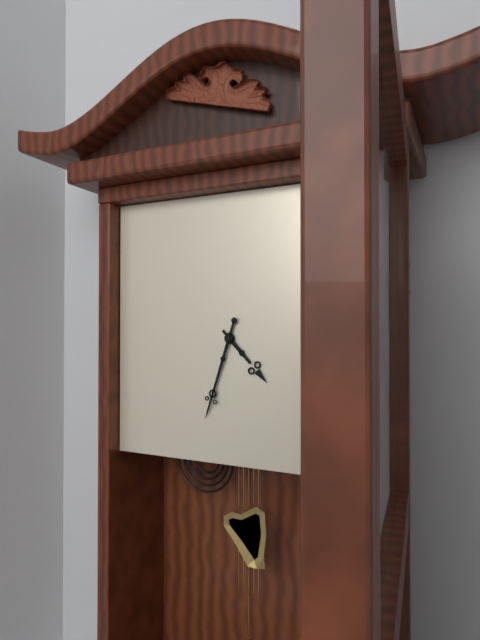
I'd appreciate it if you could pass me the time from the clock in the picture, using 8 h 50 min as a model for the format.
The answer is 4 h 33 min
